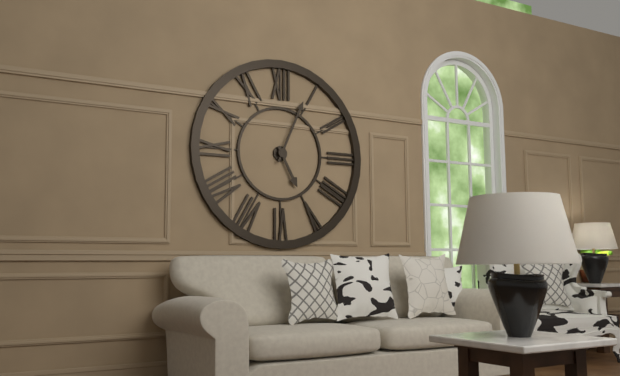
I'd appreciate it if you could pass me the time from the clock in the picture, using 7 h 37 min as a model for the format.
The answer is 5 h 04 min
